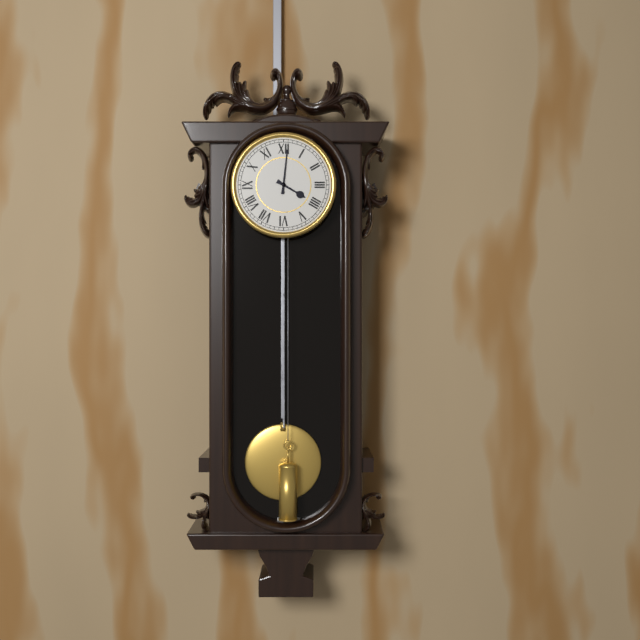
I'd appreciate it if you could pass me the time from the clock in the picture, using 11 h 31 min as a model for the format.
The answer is 4 h 01 min
